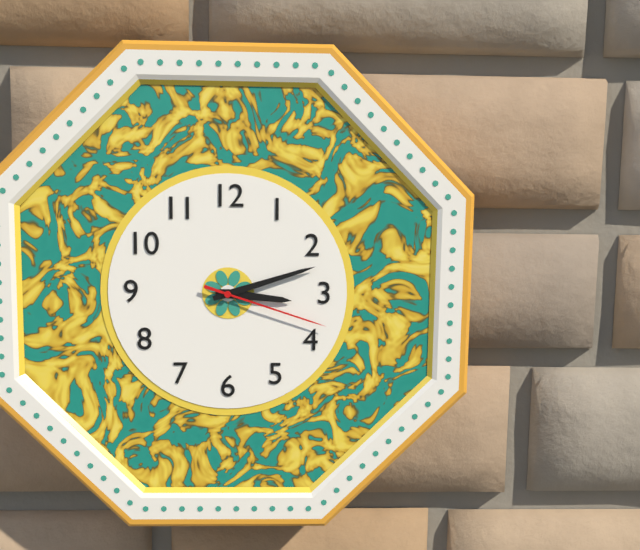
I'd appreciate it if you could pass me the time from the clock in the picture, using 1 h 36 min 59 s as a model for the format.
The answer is 3 h 12 min 18 s
